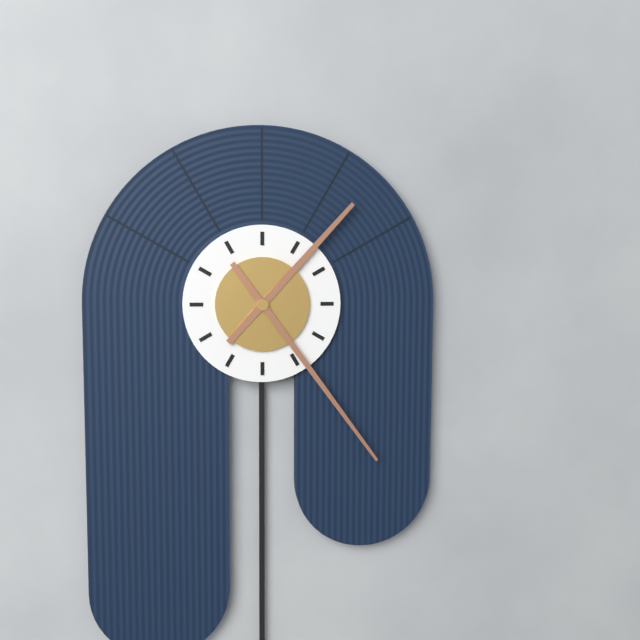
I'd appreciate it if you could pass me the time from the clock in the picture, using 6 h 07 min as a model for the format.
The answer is 1 h 24 min
